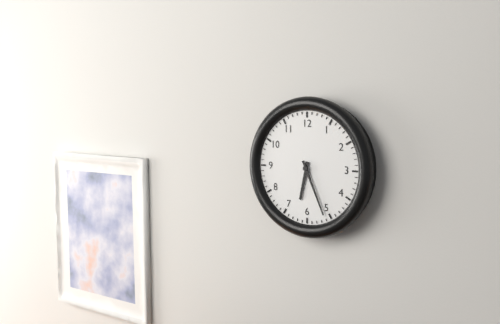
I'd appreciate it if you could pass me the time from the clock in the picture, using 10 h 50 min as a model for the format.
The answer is 6 h 26 min
